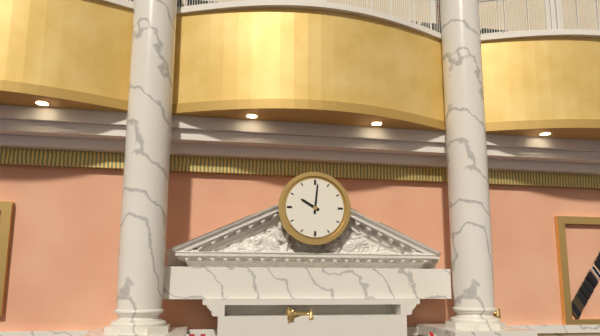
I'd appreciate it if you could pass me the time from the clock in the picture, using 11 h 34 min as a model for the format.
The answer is 10 h 01 min
